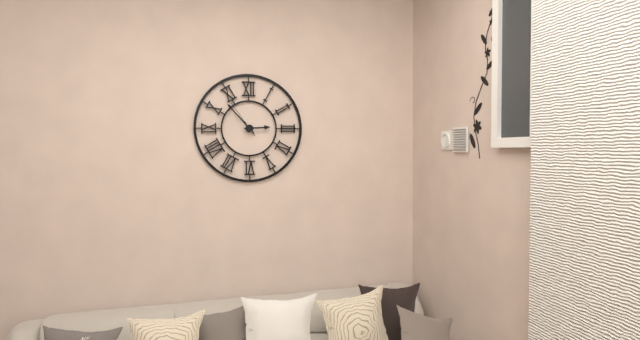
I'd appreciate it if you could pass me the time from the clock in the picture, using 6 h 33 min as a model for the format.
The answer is 2 h 53 min
